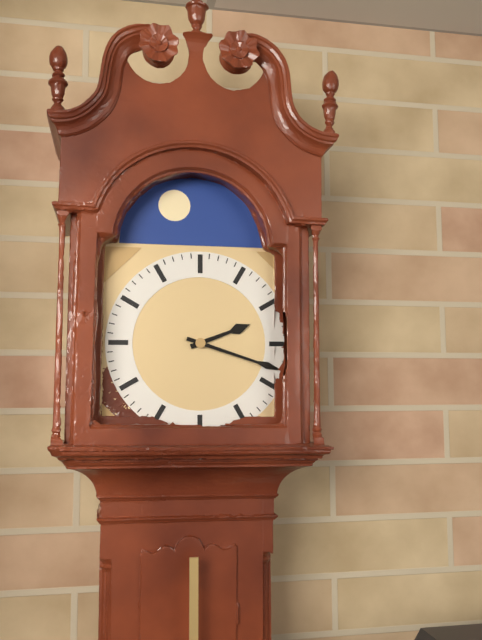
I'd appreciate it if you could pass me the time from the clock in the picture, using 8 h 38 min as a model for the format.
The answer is 2 h 18 min
